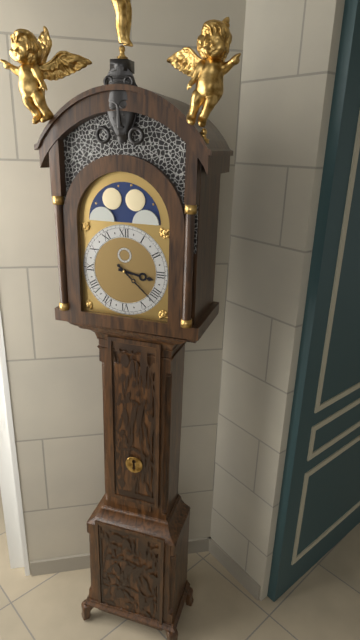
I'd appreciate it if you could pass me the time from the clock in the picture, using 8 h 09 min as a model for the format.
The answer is 3 h 22 min
